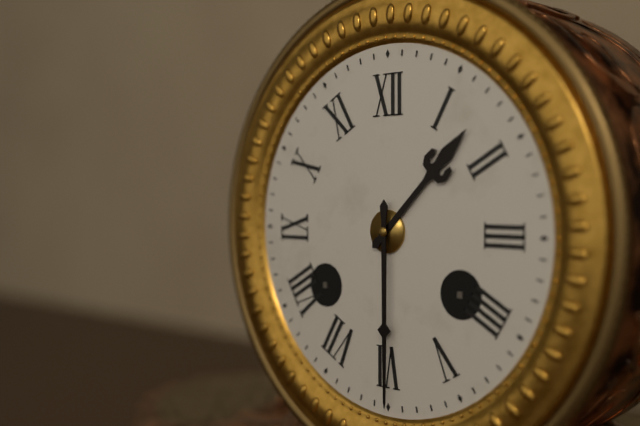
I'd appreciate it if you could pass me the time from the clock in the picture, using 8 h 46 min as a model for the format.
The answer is 1 h 30 min
